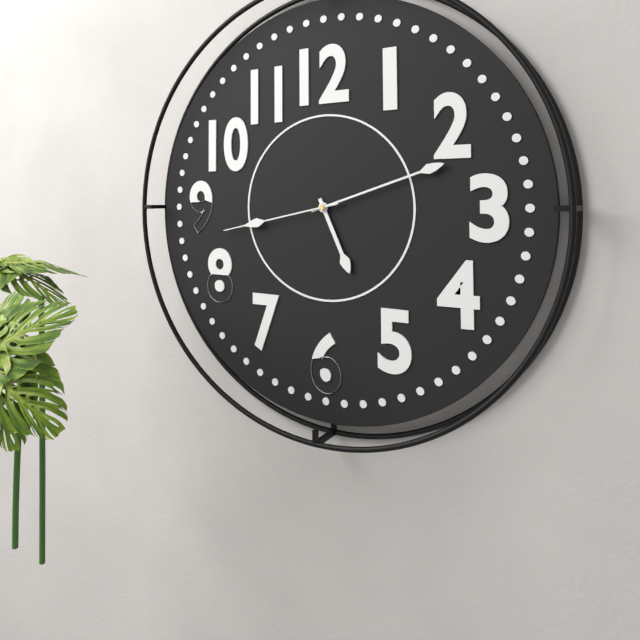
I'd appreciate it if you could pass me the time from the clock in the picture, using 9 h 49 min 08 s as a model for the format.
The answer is 5 h 12 min 43 s
